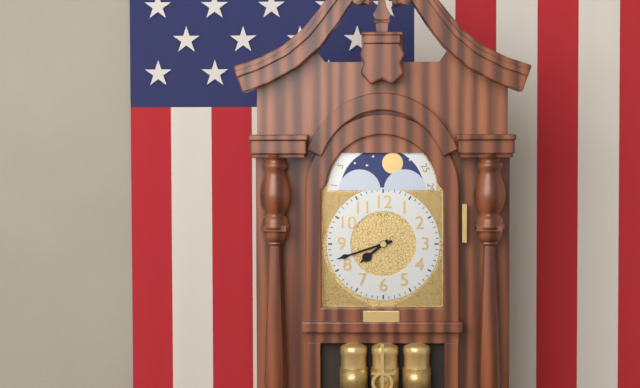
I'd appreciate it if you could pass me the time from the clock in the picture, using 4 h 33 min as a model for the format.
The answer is 7 h 42 min
